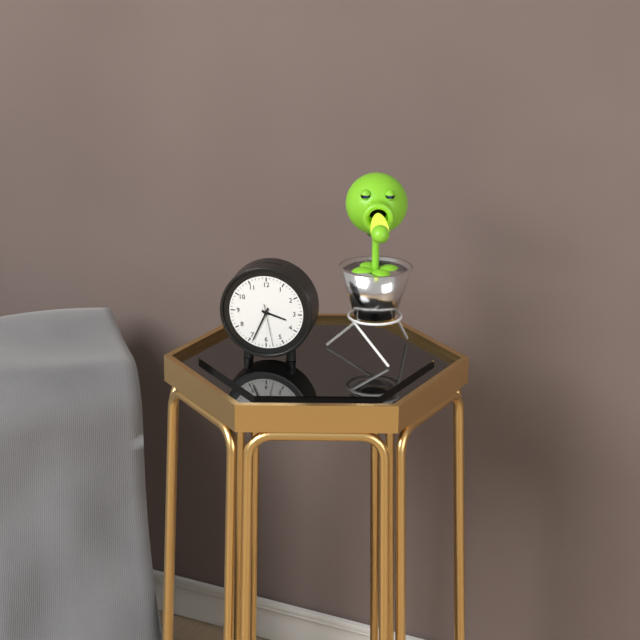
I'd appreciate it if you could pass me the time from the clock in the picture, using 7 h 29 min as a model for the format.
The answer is 3 h 34 min
